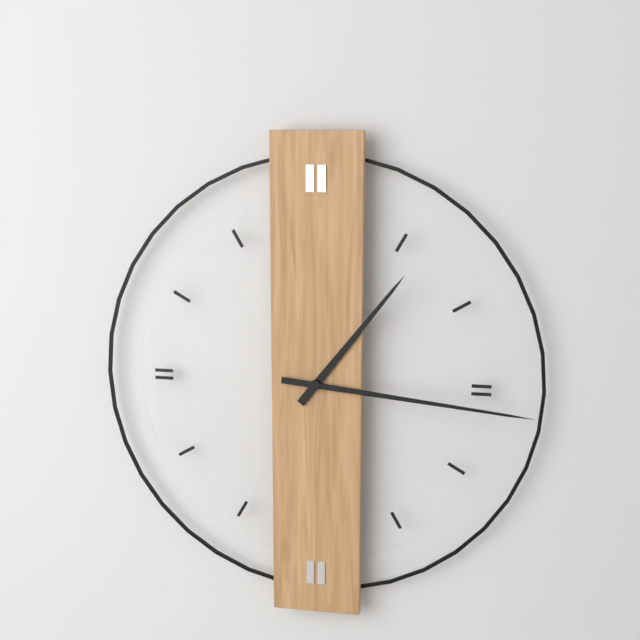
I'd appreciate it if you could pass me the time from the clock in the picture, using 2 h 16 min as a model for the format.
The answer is 1 h 16 min
